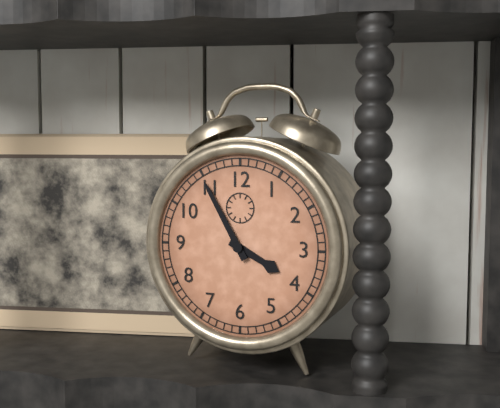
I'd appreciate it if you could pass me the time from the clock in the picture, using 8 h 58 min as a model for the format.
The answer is 3 h 55 min
